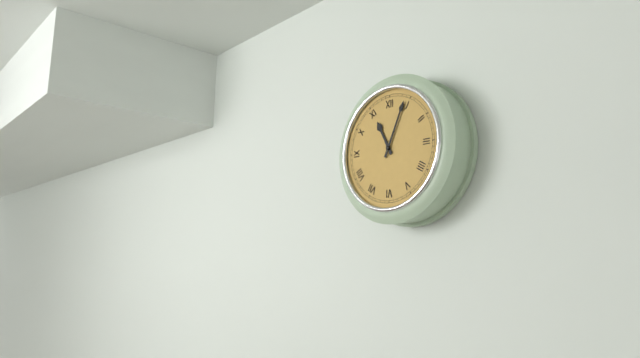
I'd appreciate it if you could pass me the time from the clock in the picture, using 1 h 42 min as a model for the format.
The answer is 11 h 04 min
